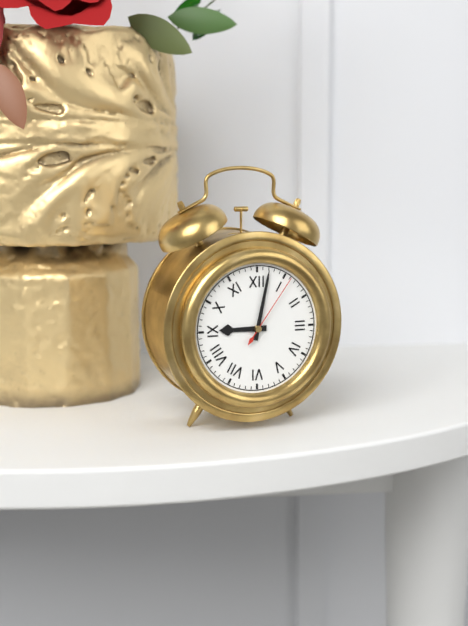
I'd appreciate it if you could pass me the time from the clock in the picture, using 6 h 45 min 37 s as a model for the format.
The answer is 9 h 02 min 06 s
